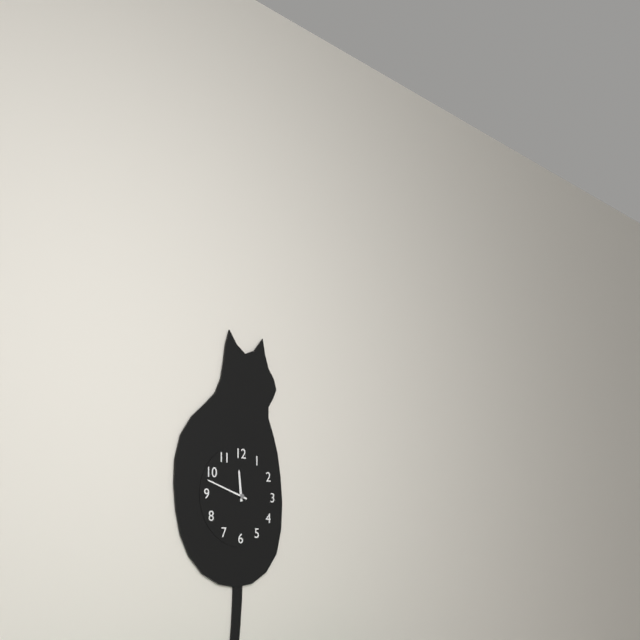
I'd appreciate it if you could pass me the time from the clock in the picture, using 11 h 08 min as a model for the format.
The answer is 11 h 48 min
